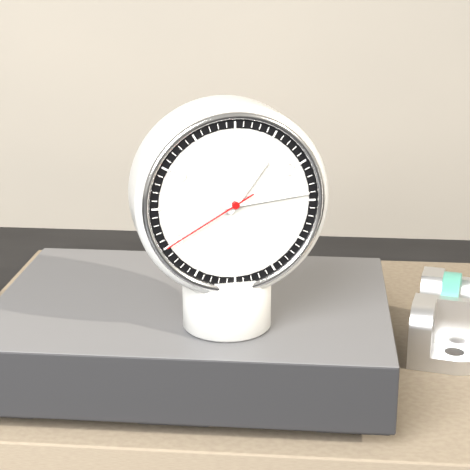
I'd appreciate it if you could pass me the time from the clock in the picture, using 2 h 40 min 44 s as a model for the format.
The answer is 1 h 14 min 40 s
